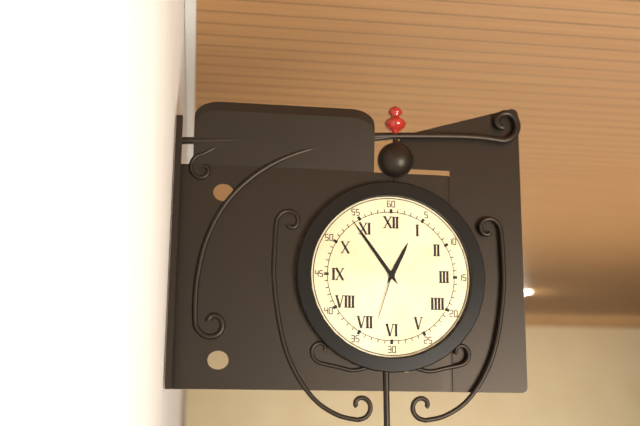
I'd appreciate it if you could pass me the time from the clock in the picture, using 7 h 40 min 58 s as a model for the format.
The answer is 12 h 54 min 33 s
